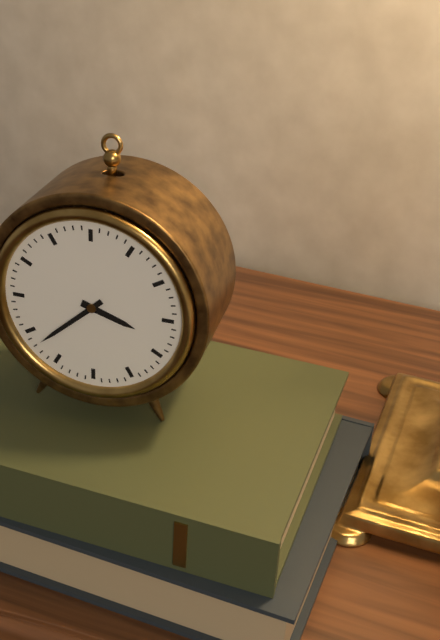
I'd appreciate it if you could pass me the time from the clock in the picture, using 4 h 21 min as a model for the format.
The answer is 3 h 38 min
